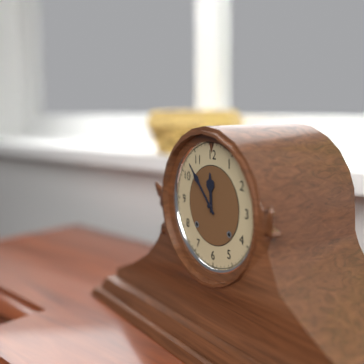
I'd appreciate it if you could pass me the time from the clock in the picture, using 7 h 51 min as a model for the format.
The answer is 11 h 53 min
